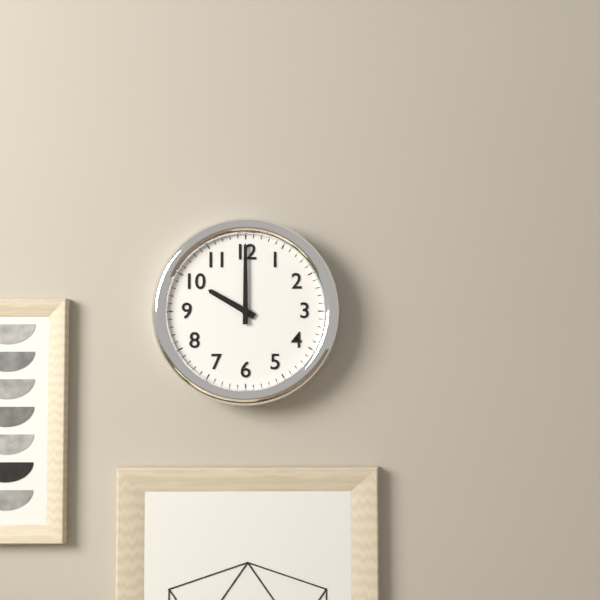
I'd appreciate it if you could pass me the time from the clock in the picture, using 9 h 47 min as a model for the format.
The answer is 10 h 00 min
